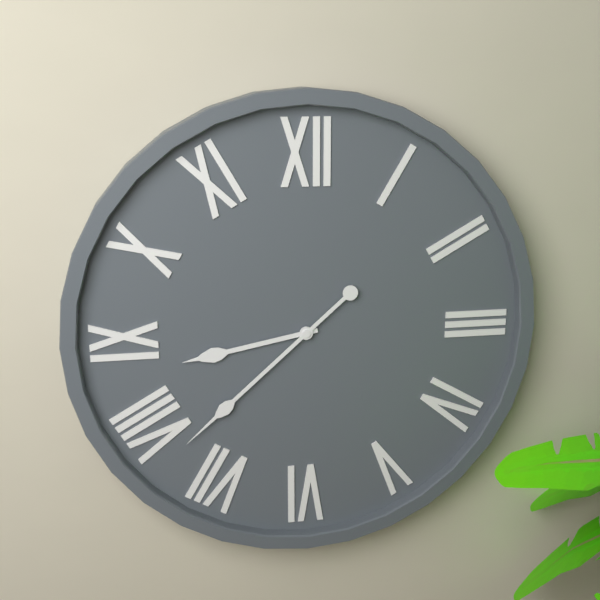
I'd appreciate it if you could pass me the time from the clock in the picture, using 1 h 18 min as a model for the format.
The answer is 8 h 38 min
